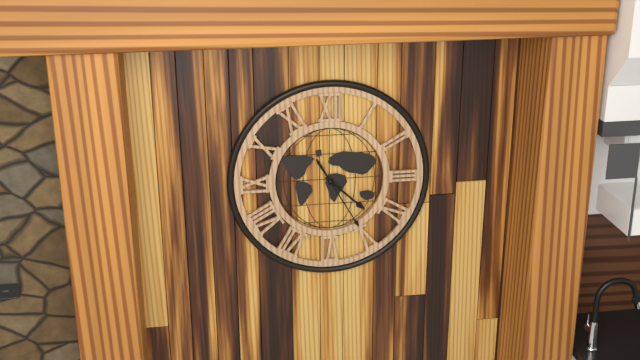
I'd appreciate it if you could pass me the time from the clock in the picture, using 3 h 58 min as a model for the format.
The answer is 4 h 25 min
